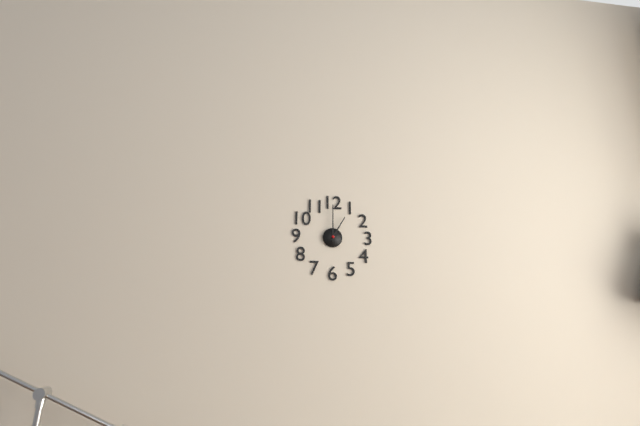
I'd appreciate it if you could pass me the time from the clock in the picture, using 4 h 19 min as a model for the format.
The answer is 1 h 00 min
